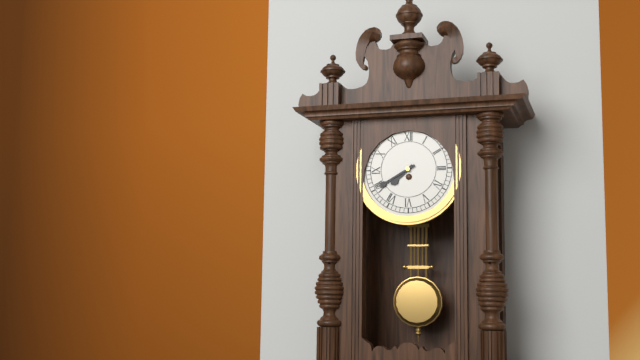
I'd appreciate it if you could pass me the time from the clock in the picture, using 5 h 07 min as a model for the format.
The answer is 7 h 40 min
